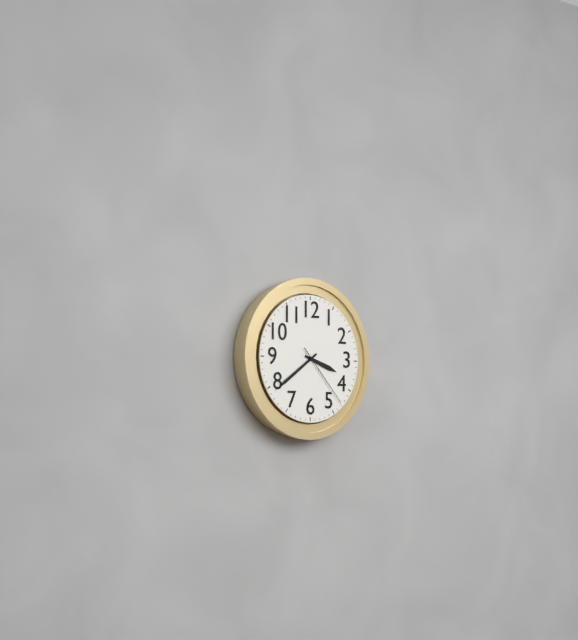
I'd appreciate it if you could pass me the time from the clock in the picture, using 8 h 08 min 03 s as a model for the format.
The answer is 3 h 39 min 23 s
